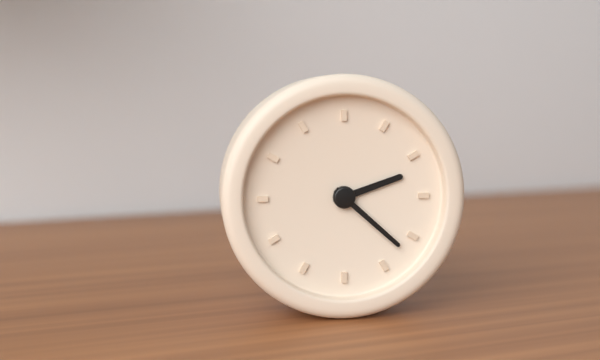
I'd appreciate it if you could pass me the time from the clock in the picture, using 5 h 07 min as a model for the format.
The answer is 2 h 22 min
